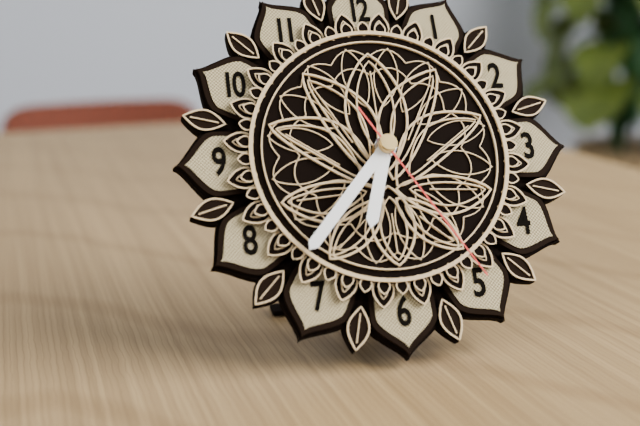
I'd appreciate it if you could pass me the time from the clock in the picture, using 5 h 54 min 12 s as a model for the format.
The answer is 6 h 37 min 25 s
